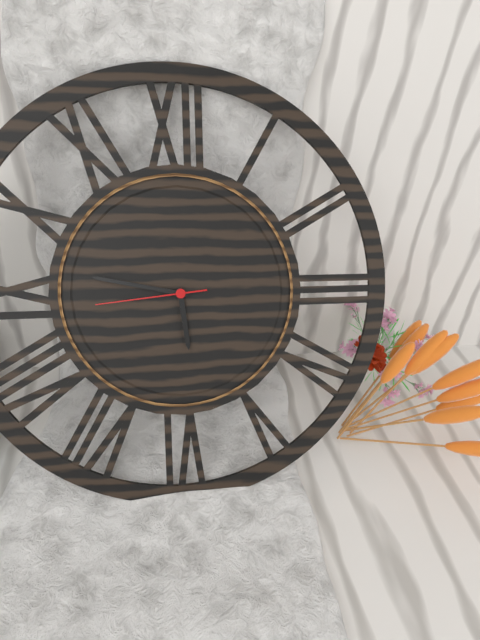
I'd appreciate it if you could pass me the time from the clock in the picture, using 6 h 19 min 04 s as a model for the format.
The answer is 5 h 47 min 44 s
